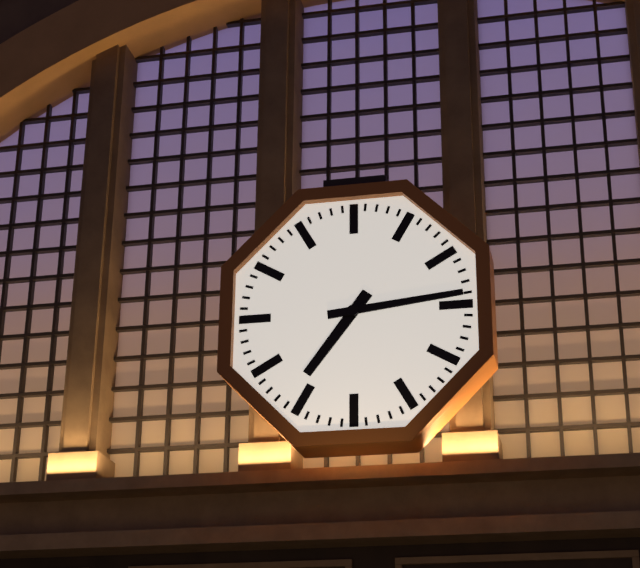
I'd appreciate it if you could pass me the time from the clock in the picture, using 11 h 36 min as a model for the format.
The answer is 7 h 14 min
